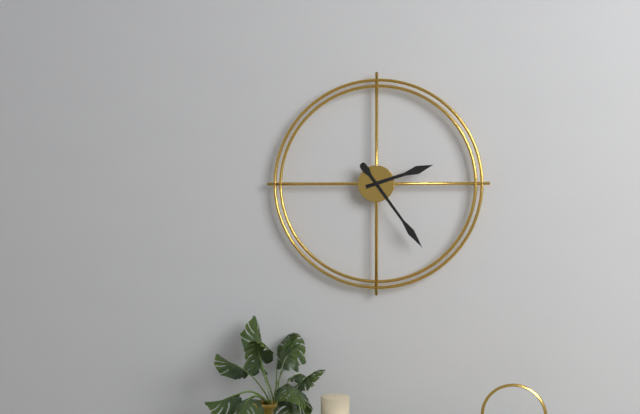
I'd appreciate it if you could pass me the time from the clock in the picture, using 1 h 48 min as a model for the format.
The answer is 2 h 24 min
